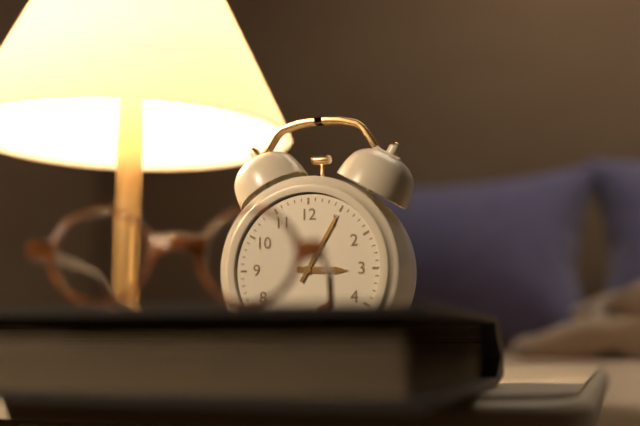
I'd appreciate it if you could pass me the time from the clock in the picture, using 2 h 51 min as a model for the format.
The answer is 3 h 05 min
